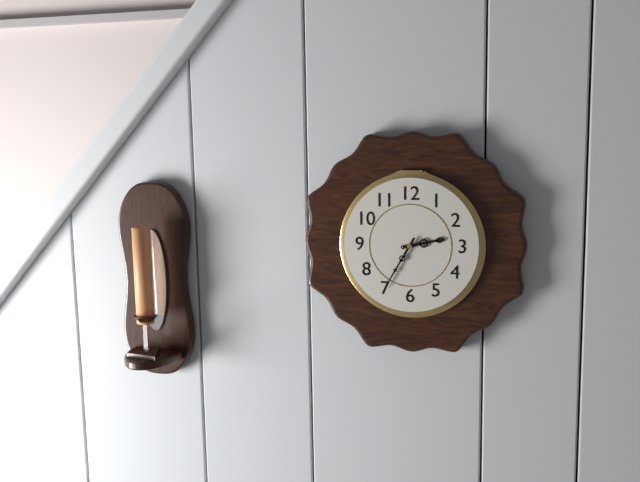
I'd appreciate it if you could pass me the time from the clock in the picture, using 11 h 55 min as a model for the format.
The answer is 2 h 35 min
